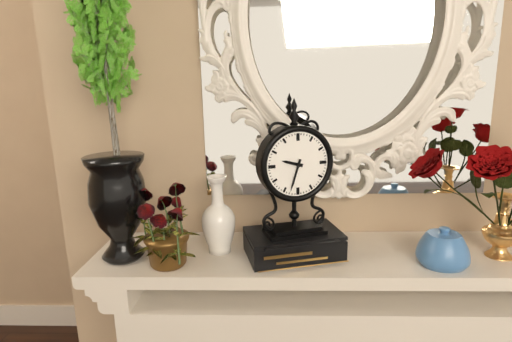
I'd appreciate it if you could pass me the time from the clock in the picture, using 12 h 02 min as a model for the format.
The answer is 9 h 33 min
